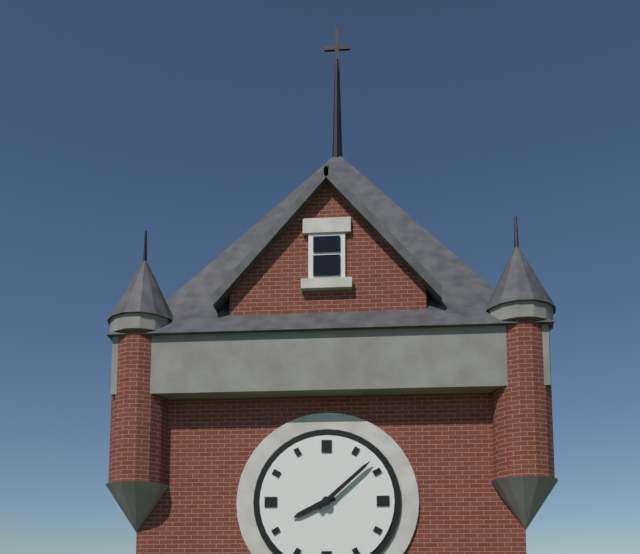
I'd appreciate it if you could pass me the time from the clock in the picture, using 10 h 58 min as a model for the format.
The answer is 8 h 08 min
